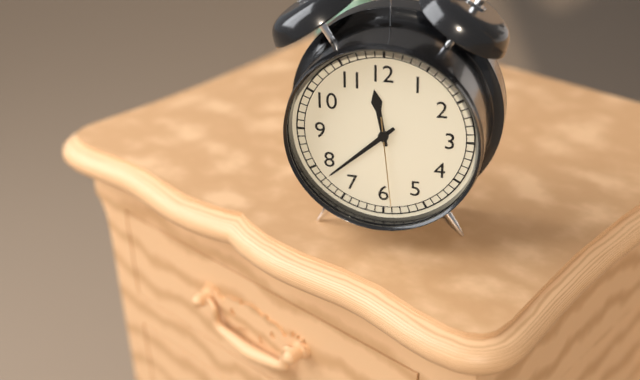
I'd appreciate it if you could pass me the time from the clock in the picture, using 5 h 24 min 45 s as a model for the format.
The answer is 11 h 38 min 29 s
